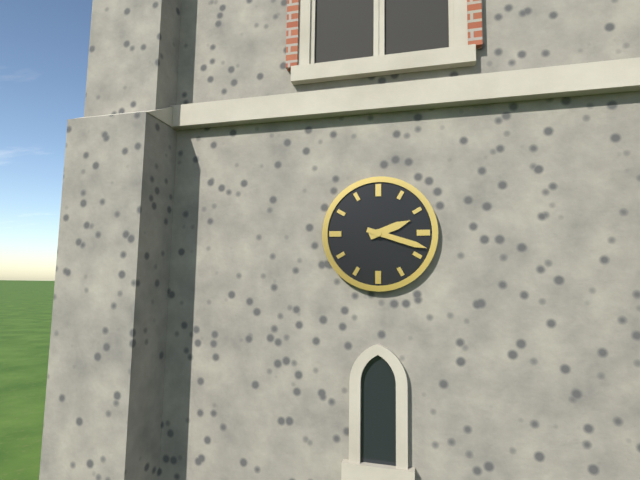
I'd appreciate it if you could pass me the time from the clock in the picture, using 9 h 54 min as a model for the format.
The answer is 2 h 18 min
